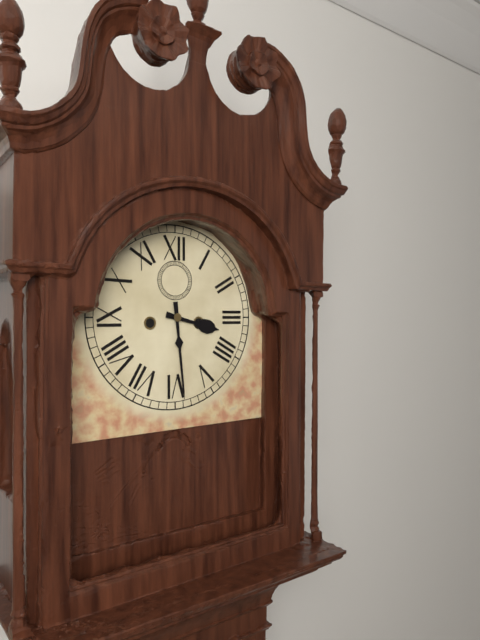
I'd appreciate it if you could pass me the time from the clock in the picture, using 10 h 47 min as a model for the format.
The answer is 3 h 29 min
